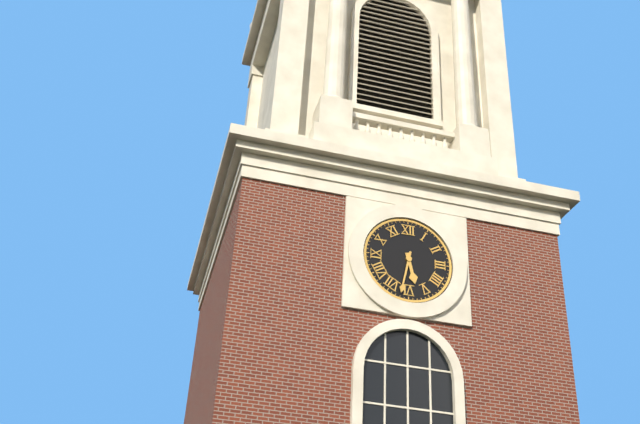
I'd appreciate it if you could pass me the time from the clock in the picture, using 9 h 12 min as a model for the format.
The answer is 5 h 32 min
